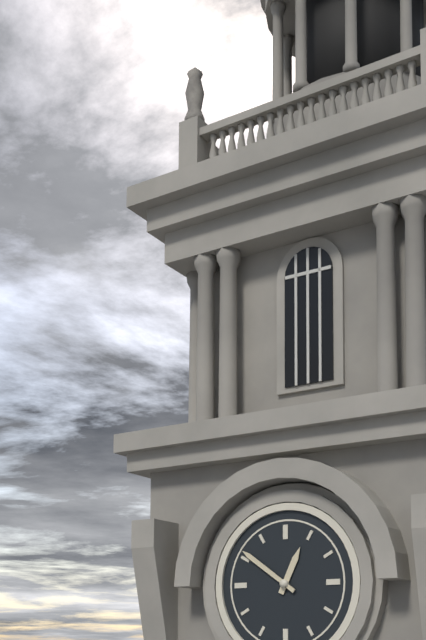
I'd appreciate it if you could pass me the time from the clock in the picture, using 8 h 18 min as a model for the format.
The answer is 12 h 51 min
